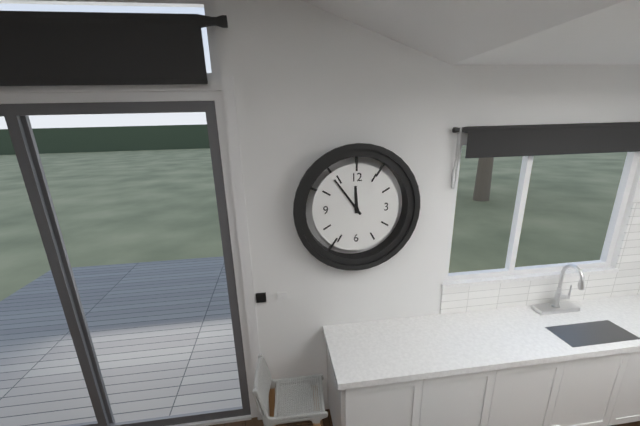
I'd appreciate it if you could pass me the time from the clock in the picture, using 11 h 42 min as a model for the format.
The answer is 11 h 54 min
